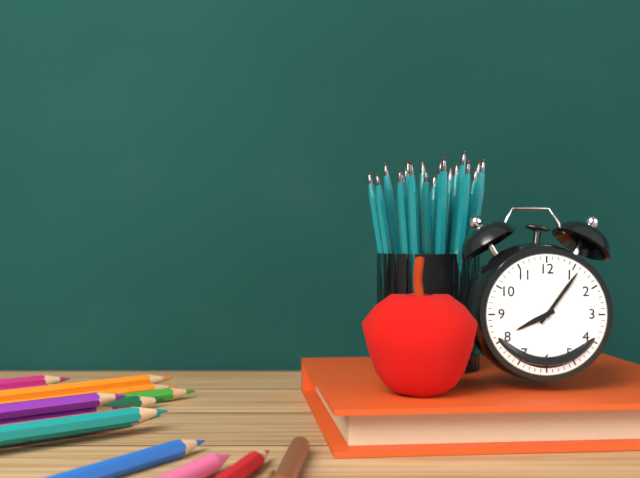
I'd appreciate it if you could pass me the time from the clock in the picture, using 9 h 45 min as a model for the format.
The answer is 8 h 06 min
